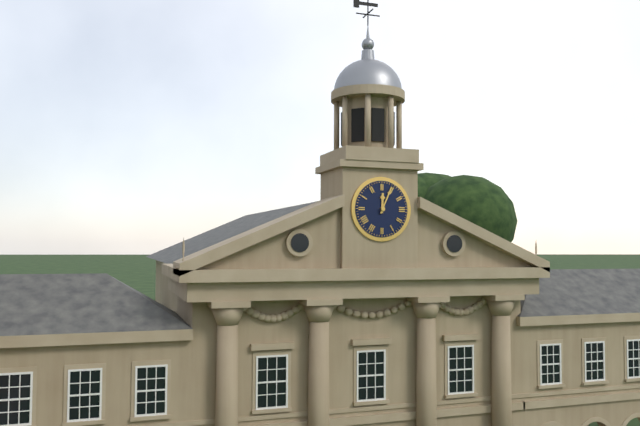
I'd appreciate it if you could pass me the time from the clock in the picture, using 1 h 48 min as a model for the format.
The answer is 12 h 04 min
